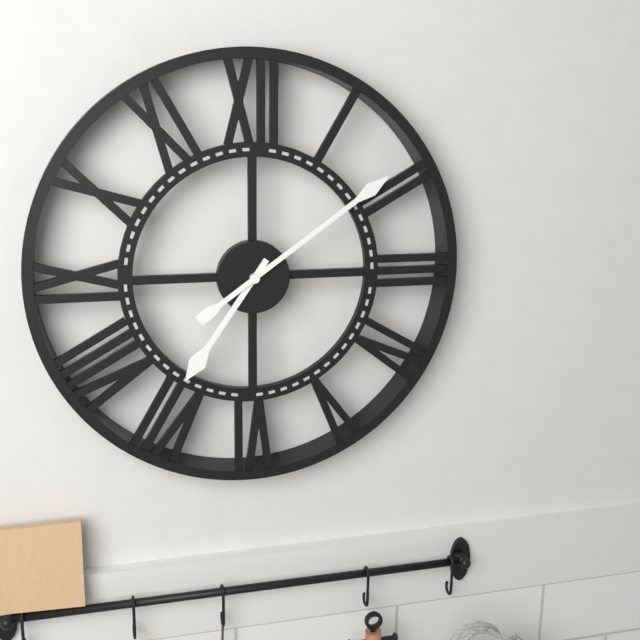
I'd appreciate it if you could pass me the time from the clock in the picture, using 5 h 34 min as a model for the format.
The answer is 7 h 09 min
